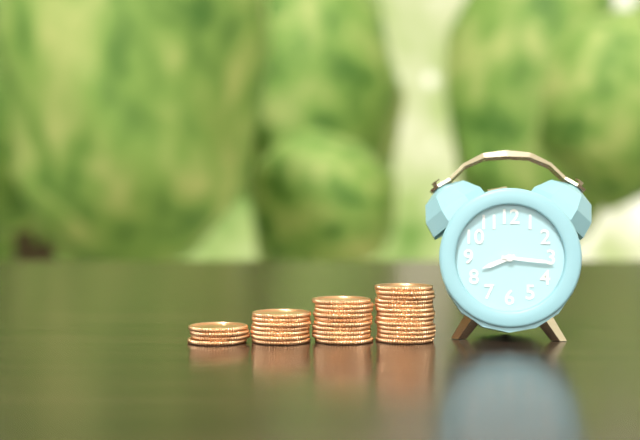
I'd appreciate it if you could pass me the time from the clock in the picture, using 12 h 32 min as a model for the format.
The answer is 8 h 16 min
